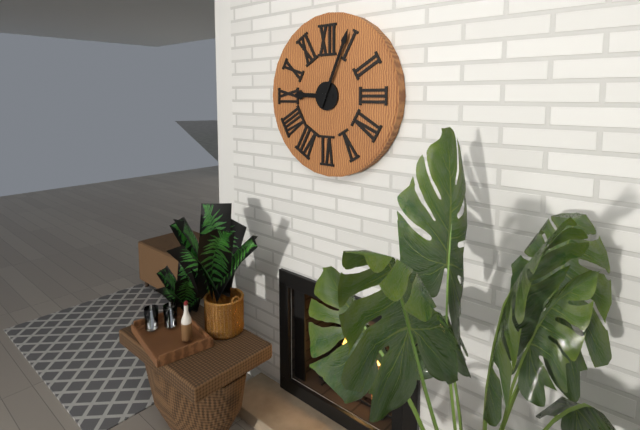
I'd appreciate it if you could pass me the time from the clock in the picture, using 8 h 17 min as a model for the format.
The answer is 9 h 04 min
